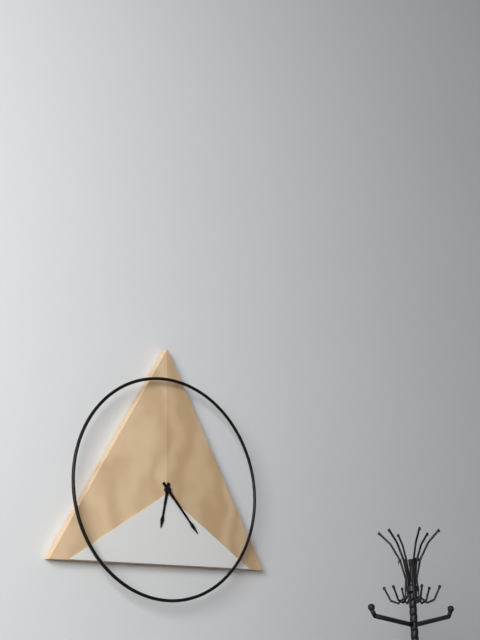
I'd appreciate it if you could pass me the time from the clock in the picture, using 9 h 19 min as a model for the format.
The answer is 6 h 23 min
